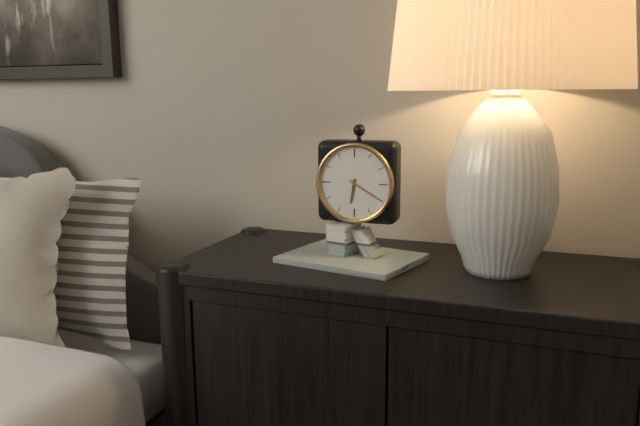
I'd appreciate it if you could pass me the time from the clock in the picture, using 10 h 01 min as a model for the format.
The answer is 6 h 20 min
